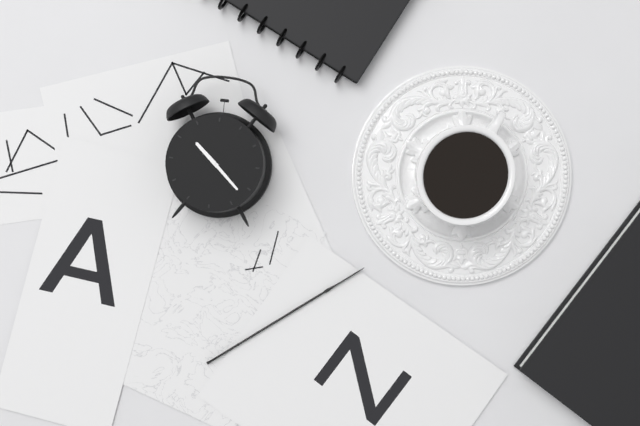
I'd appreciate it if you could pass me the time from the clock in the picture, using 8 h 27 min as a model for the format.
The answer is 10 h 22 min
